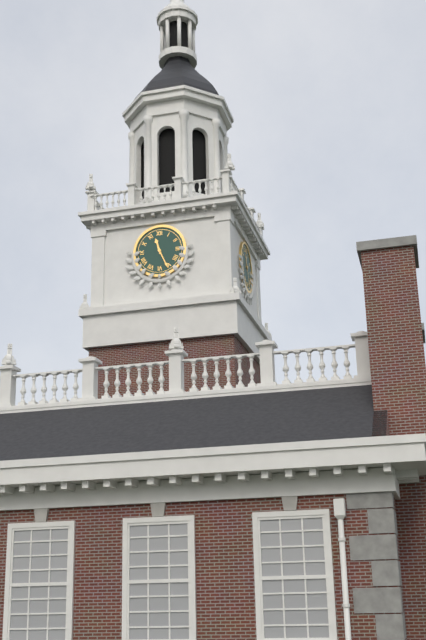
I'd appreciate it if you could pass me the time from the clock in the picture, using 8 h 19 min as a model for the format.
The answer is 11 h 26 min
